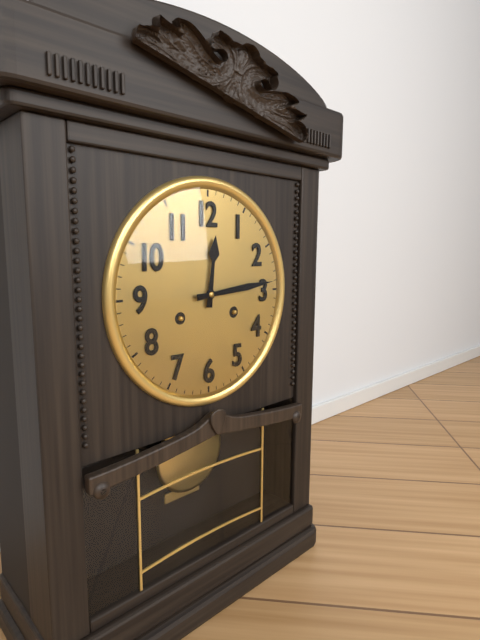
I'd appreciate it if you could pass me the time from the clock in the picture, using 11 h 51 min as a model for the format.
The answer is 12 h 14 min
